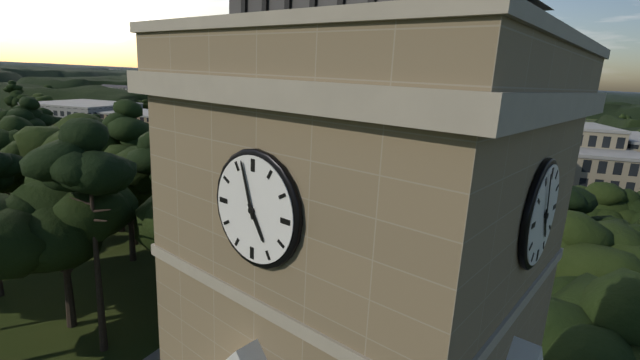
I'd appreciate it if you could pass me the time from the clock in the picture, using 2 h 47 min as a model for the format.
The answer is 4 h 57 min
